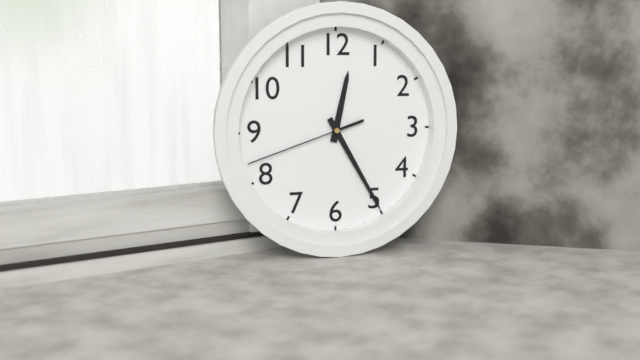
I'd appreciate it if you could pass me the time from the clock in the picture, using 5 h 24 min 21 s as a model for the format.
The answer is 12 h 25 min 42 s
